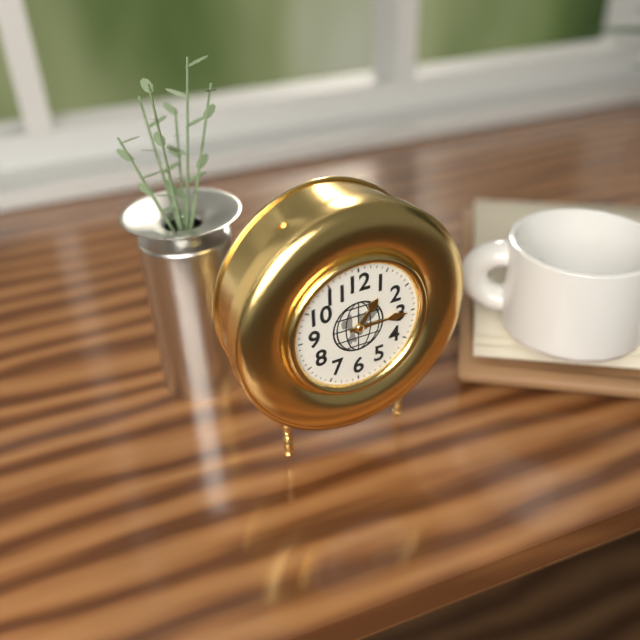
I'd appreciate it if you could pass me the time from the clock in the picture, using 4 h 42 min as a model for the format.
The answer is 1 h 15 min
